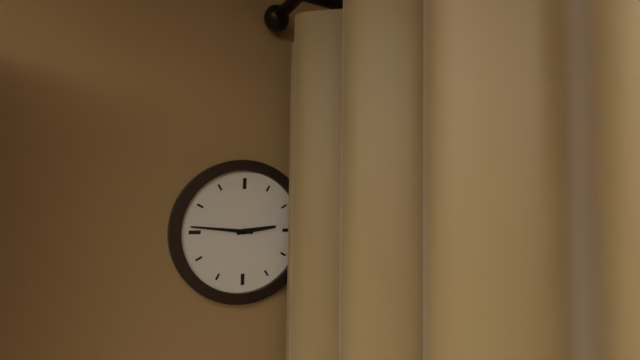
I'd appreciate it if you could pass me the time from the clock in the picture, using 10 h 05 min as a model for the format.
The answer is 2 h 46 min
